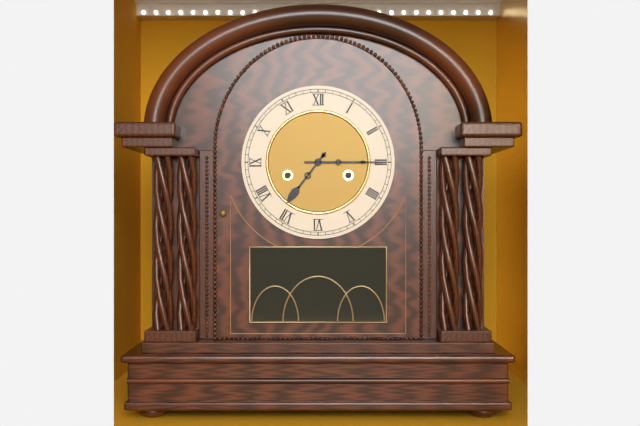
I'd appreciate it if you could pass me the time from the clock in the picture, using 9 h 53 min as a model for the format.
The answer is 7 h 15 min
